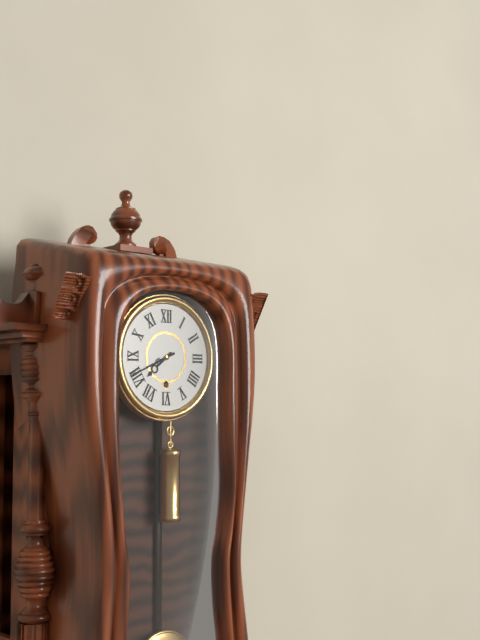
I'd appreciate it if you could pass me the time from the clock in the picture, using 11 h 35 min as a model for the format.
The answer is 7 h 41 min
